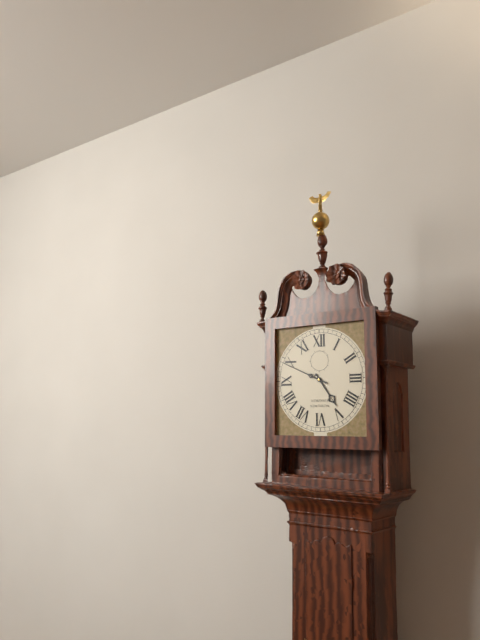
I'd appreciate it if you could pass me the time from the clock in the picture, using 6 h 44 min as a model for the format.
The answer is 4 h 49 min
